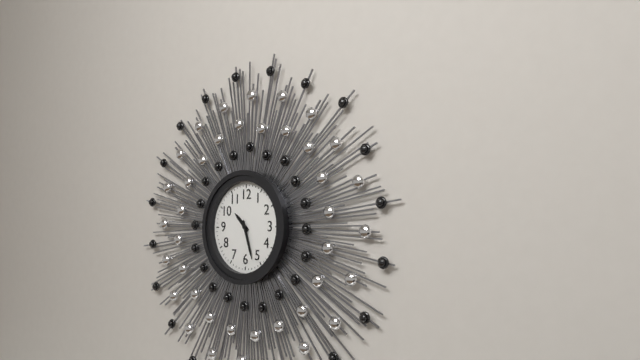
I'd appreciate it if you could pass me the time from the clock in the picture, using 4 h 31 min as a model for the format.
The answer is 10 h 27 min
